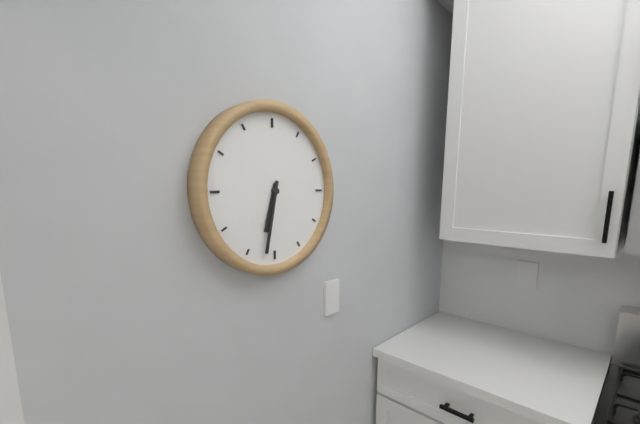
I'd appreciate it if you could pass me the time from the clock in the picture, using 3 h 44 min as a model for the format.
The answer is 6 h 32 min
